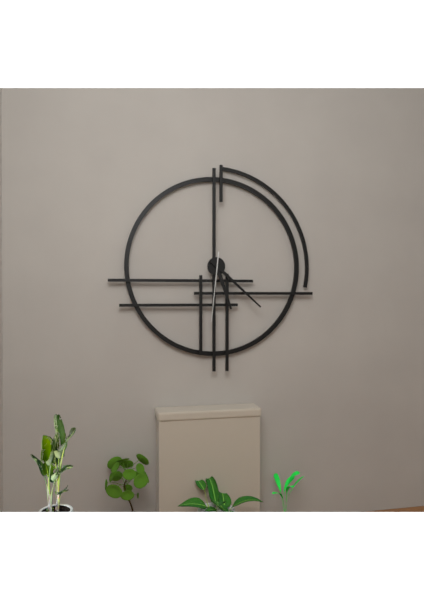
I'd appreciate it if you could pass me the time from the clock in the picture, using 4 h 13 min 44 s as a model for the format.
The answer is 5 h 22 min 31 s
